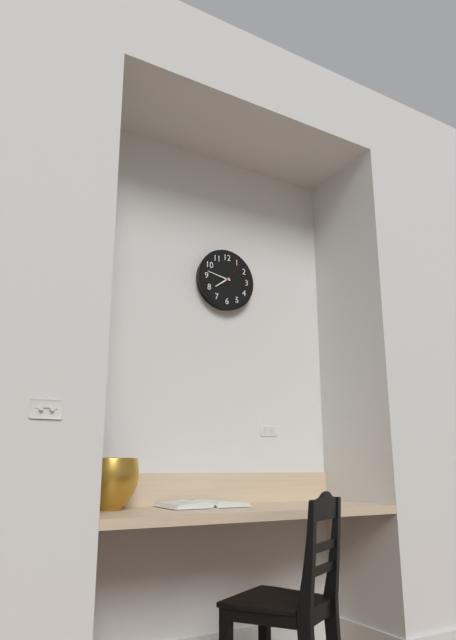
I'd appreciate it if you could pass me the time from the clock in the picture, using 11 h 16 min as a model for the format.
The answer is 7 h 47 min
